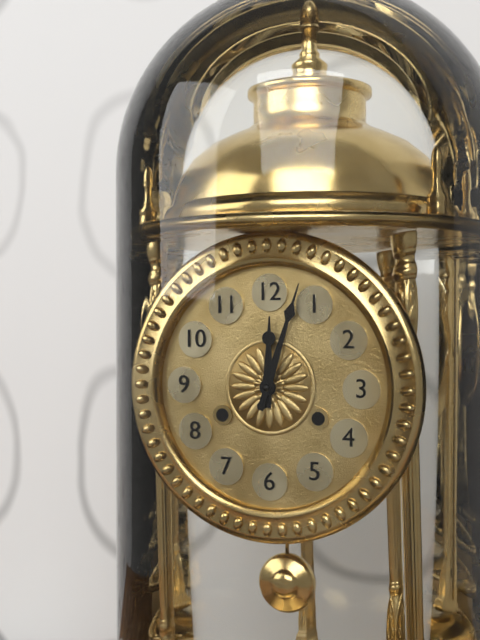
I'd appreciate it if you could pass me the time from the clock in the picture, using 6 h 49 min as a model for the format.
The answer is 12 h 03 min
